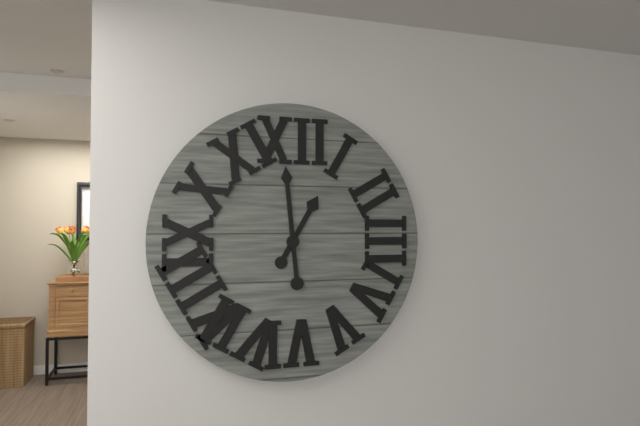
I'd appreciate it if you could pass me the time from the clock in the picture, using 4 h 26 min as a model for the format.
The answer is 12 h 59 min
